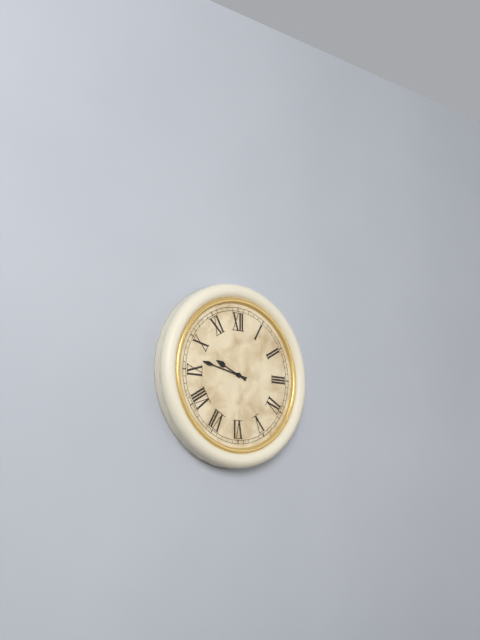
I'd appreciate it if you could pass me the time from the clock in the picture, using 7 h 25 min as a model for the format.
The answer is 9 h 47 min
